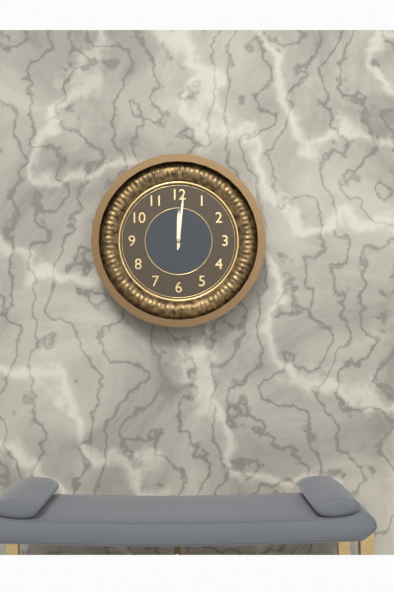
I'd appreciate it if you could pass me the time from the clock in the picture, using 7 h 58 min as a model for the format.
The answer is 12 h 01 min
